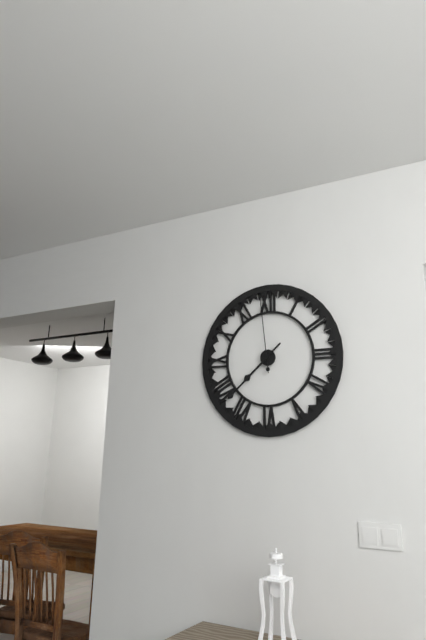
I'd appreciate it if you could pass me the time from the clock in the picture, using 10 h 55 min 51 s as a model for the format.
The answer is 7 h 38 min 59 s
